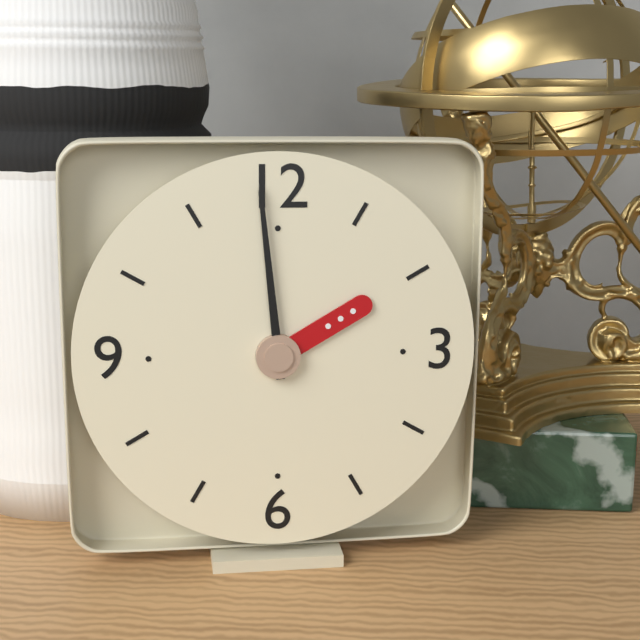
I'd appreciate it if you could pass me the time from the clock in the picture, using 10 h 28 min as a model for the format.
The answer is 1 h 59 min
